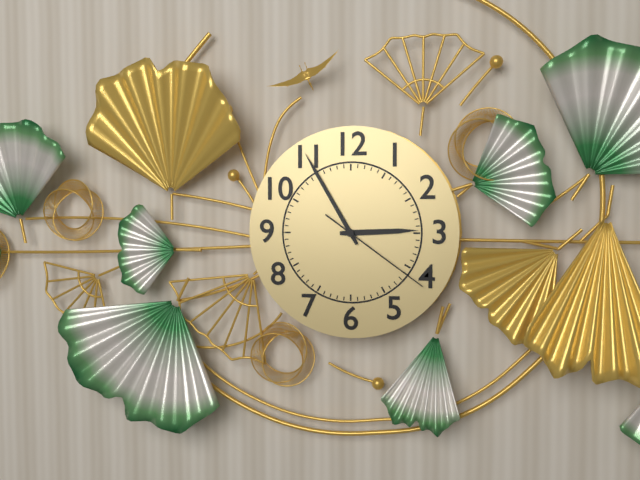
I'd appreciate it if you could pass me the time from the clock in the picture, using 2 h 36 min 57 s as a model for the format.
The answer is 2 h 55 min 21 s
